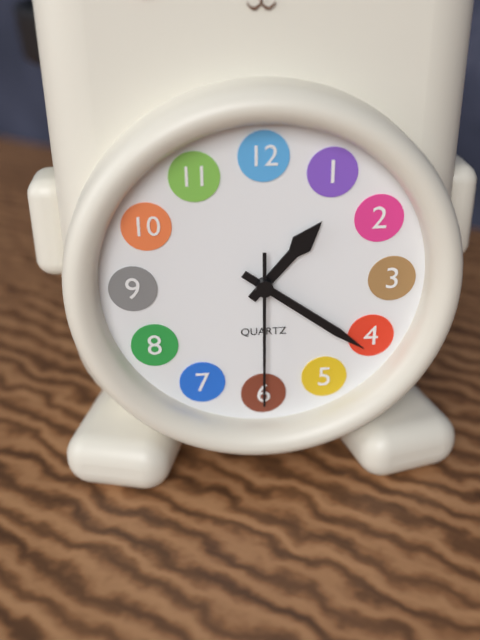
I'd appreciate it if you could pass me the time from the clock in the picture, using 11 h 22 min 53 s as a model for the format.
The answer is 1 h 21 min 30 s
